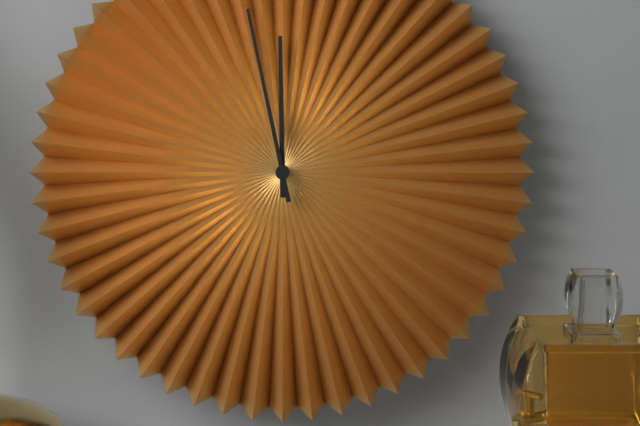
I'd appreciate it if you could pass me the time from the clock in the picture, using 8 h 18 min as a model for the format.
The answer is 11 h 58 min
